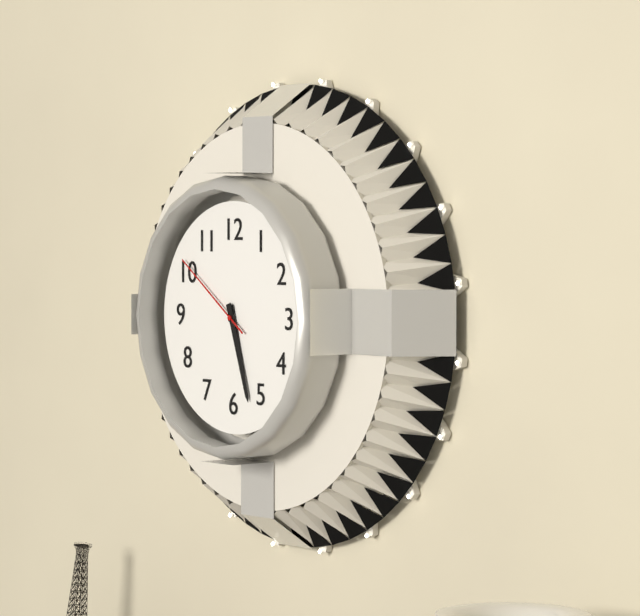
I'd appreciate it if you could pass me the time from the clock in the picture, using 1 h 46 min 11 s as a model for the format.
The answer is 5 h 27 min 51 s
